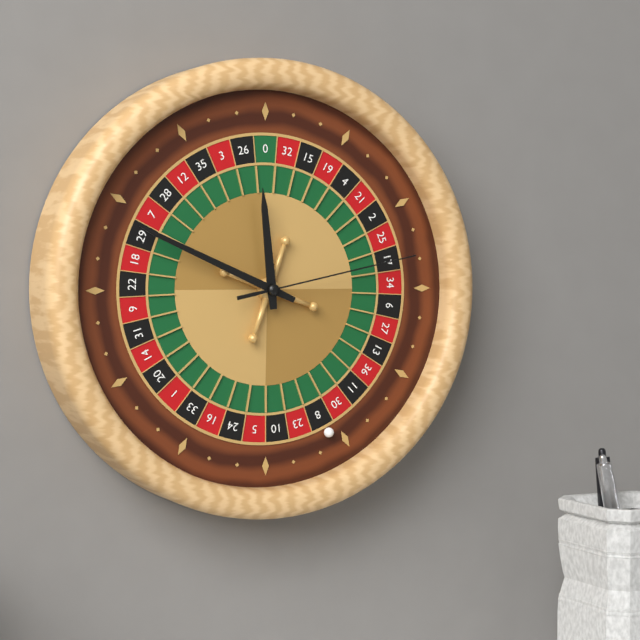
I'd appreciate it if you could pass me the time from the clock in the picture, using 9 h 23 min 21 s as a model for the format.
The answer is 11 h 49 min 13 s
